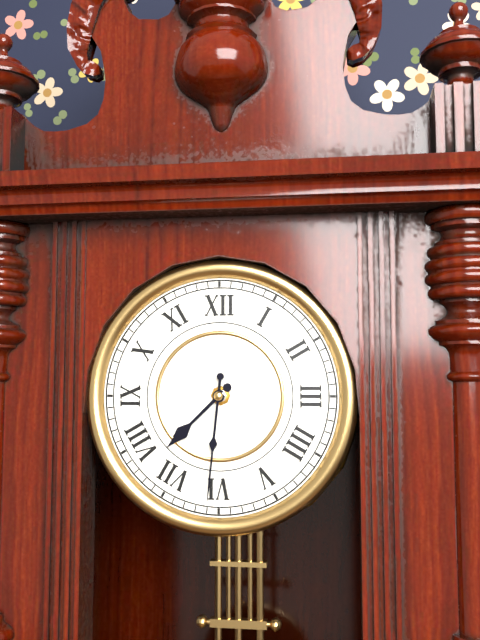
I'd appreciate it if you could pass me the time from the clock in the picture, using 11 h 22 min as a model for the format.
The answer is 7 h 31 min
